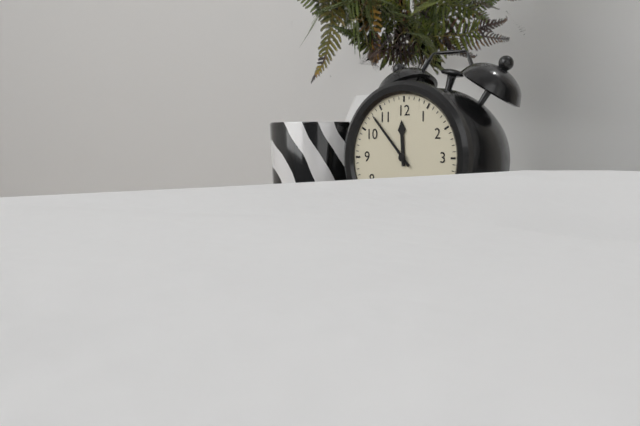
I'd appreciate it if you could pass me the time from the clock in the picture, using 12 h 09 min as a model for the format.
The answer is 11 h 53 min
